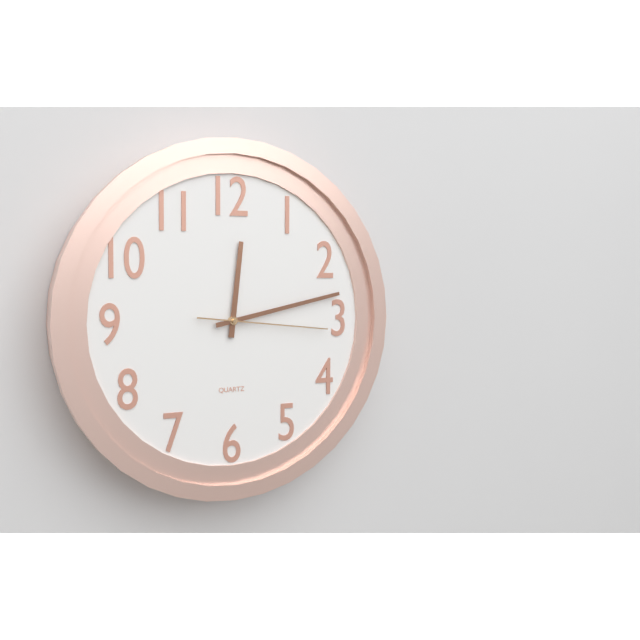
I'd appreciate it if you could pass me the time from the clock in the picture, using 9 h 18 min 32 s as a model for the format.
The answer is 12 h 13 min 16 s
